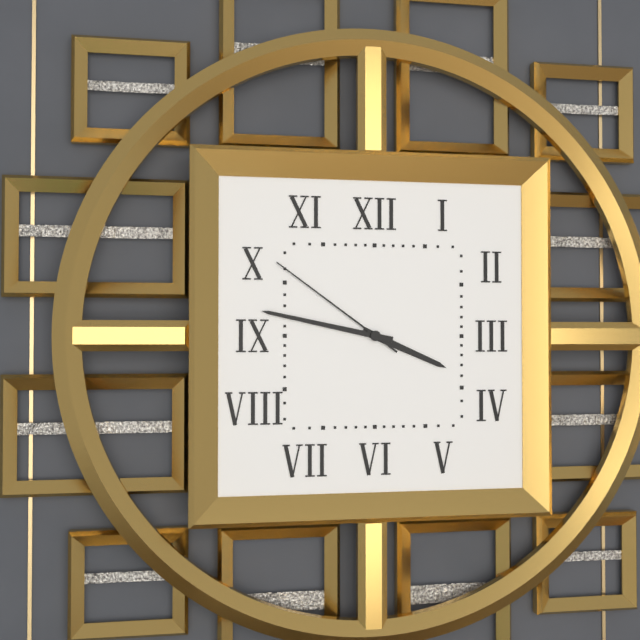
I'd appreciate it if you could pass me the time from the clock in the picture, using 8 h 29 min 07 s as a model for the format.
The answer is 3 h 47 min 51 s
